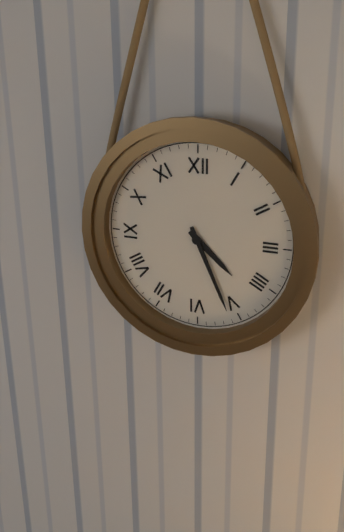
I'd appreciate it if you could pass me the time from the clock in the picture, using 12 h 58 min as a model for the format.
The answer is 4 h 26 min
